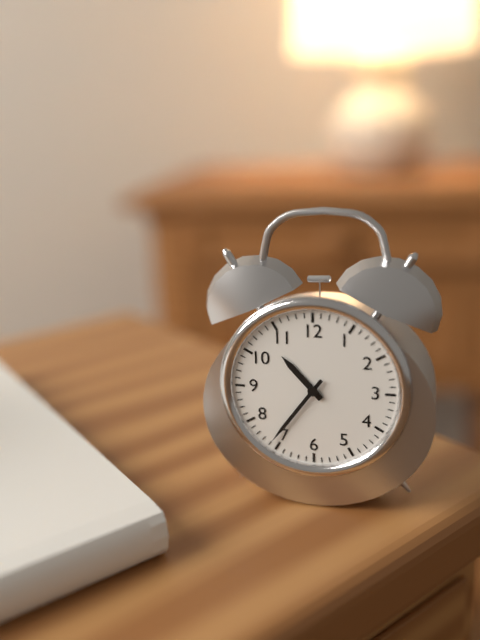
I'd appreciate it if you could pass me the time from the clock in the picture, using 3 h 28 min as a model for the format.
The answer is 10 h 36 min
